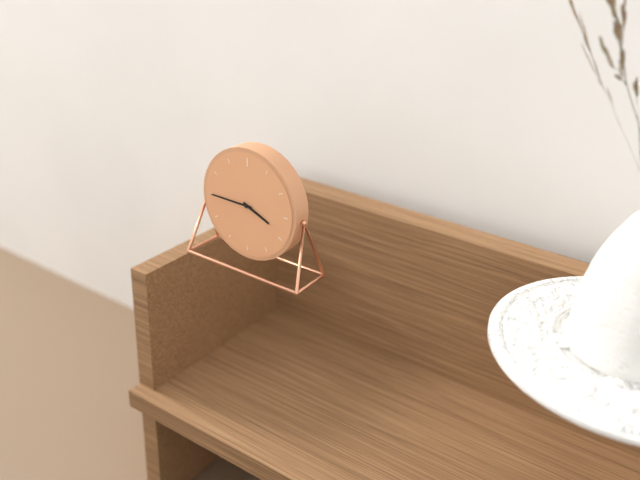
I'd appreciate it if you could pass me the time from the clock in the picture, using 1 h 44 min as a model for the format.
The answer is 3 h 45 min
